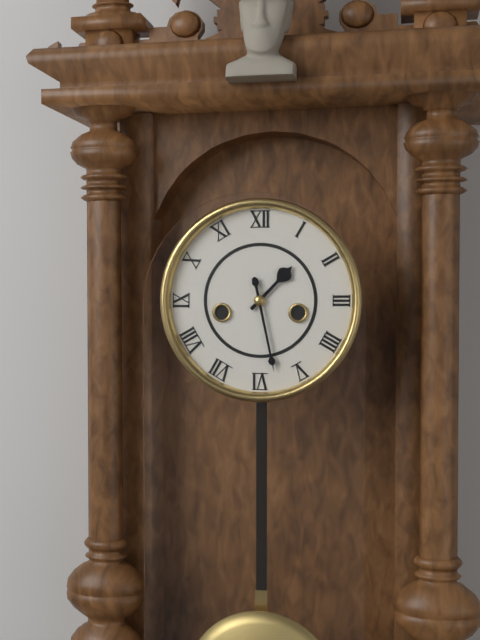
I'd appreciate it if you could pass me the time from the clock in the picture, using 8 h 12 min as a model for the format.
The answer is 1 h 28 min
